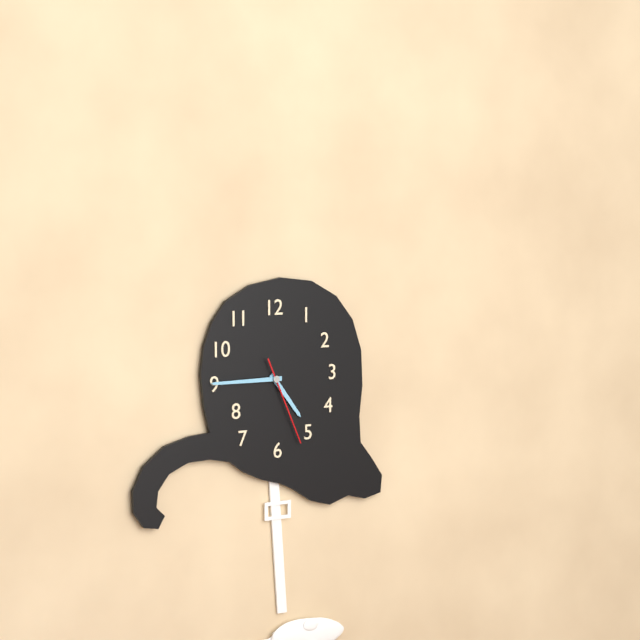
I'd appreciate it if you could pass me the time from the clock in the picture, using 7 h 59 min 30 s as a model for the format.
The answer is 4 h 45 min 26 s
